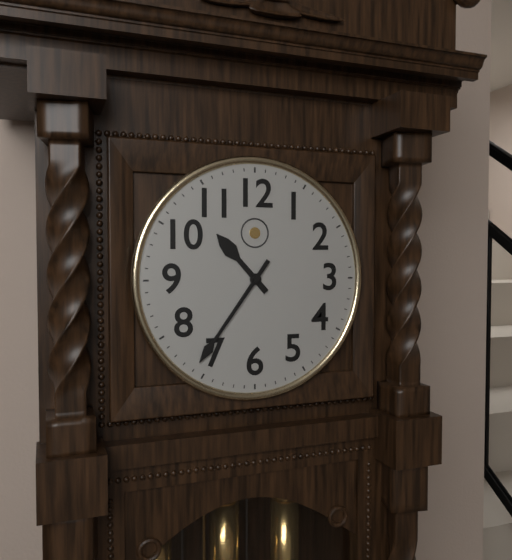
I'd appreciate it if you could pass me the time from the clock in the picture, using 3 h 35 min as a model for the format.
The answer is 10 h 36 min
